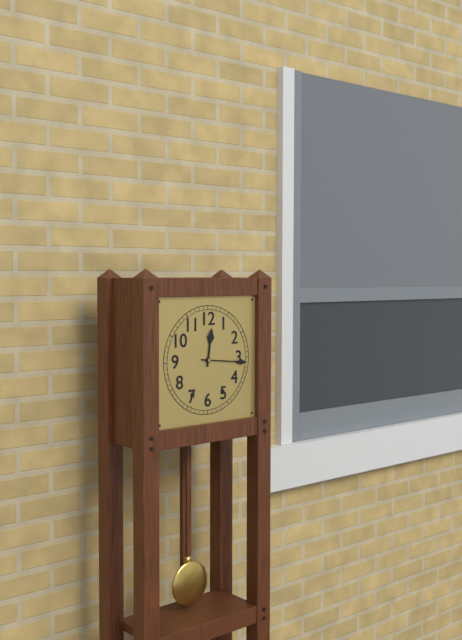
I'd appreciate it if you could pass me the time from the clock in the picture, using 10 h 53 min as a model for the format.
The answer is 12 h 16 min
